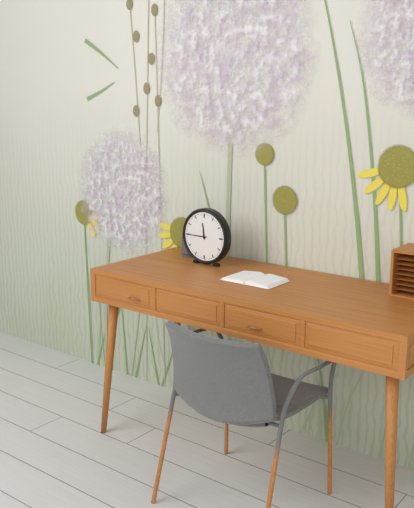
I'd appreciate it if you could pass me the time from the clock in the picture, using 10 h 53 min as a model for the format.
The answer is 11 h 45 min
